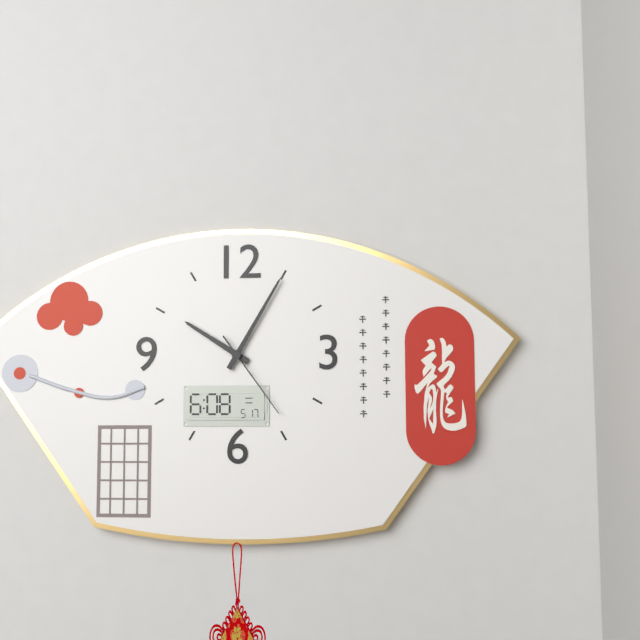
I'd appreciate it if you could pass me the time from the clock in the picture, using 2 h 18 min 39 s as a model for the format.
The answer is 10 h 05 min 24 s
